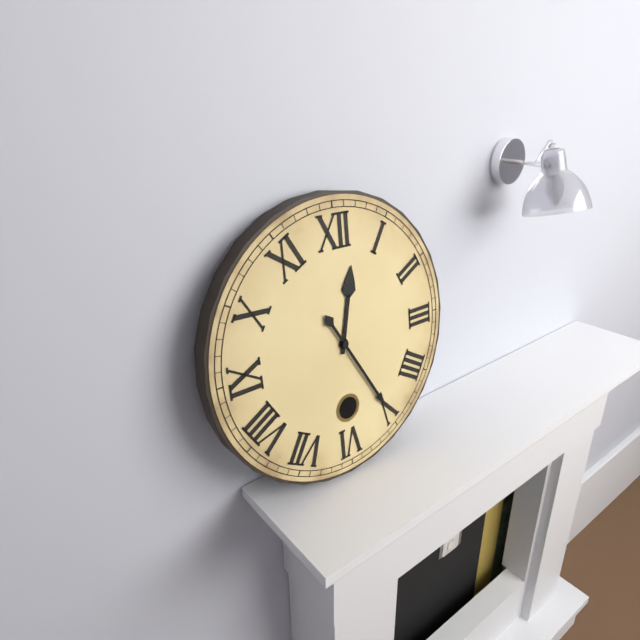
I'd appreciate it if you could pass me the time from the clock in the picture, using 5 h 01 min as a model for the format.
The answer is 12 h 25 min
